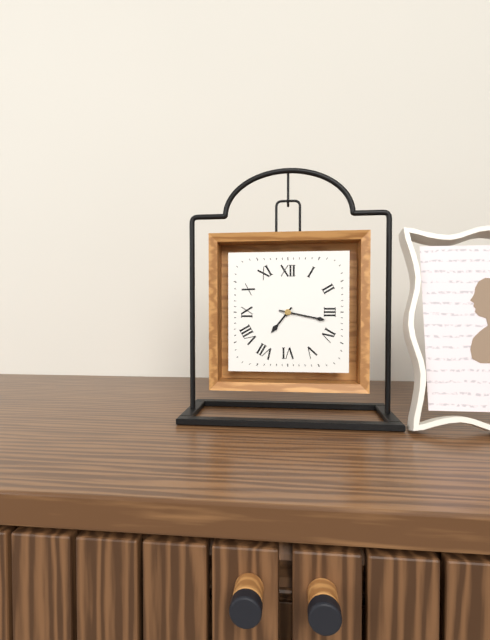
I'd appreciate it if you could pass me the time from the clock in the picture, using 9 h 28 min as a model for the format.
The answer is 7 h 17 min
